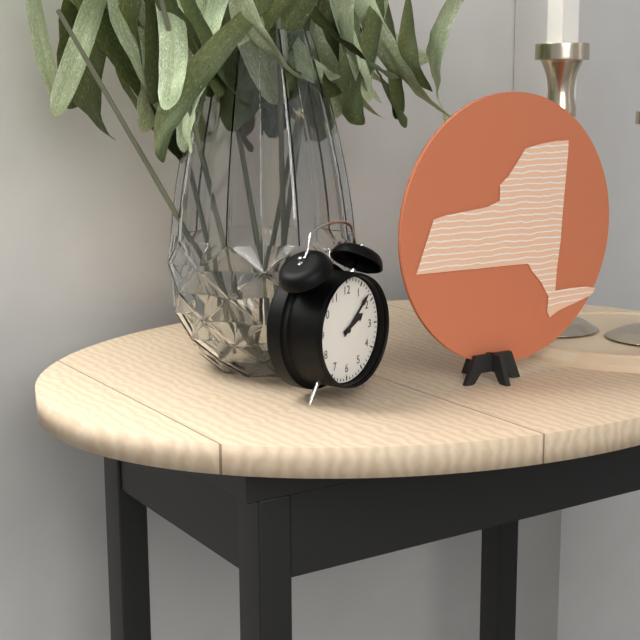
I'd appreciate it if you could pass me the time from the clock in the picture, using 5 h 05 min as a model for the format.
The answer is 2 h 08 min
